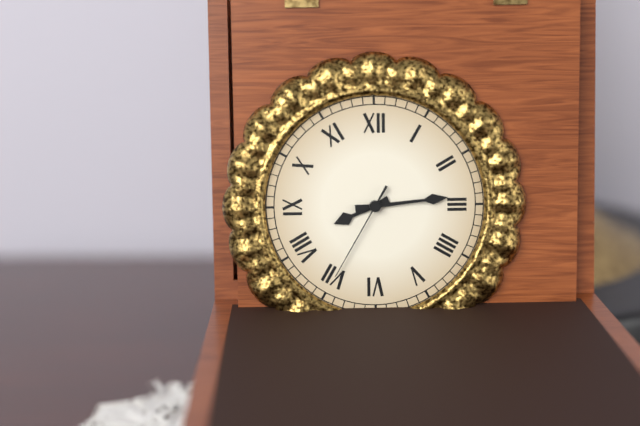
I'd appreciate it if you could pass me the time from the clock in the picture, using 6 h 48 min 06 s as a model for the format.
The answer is 8 h 14 min 35 s
